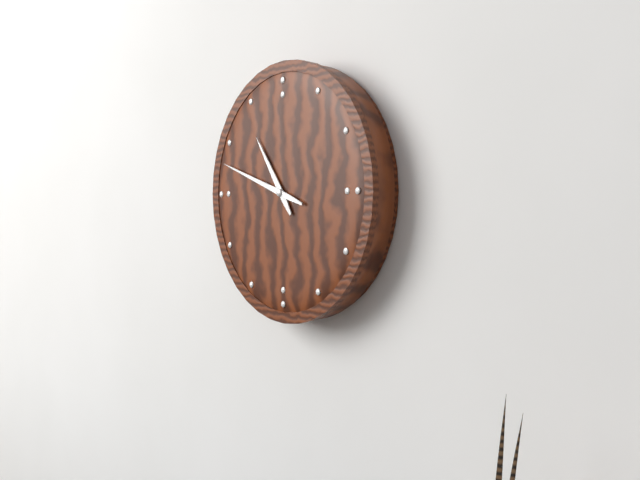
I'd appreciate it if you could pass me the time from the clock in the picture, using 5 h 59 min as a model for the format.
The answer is 10 h 48 min
